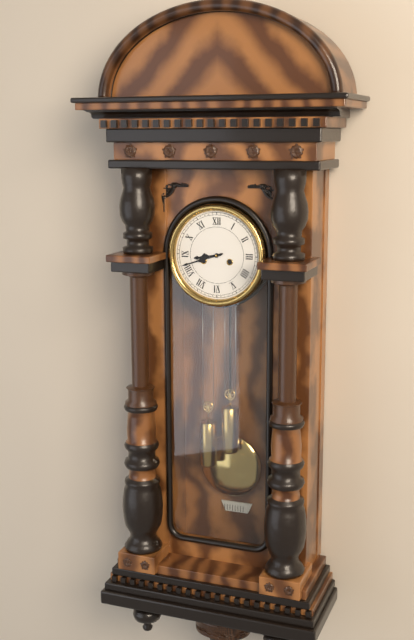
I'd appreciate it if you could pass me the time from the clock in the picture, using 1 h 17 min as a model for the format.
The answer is 8 h 42 min
